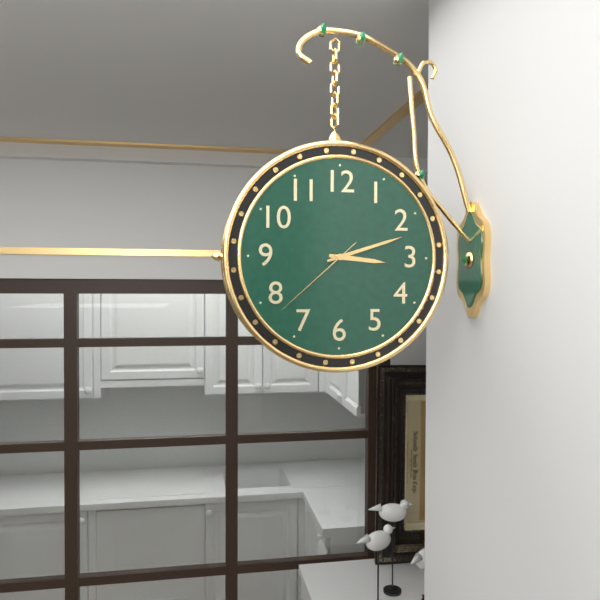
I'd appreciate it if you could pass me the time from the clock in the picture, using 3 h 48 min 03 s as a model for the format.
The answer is 3 h 12 min 38 s
